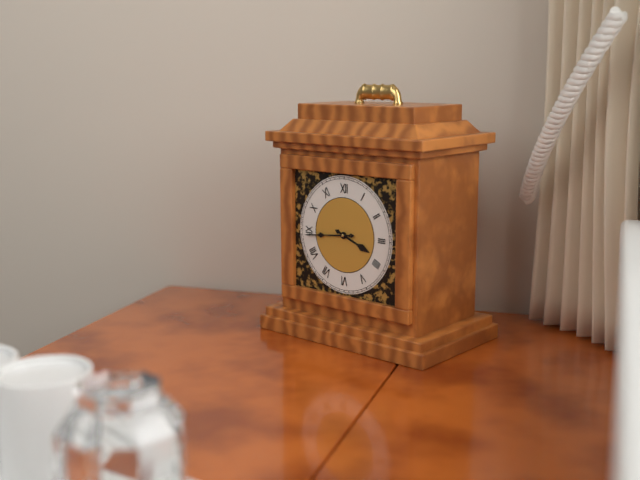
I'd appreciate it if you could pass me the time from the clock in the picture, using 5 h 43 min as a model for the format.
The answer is 3 h 44 min
